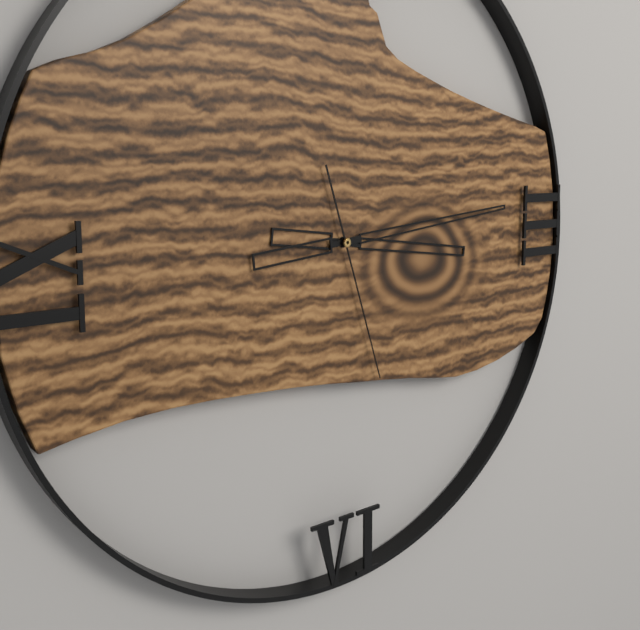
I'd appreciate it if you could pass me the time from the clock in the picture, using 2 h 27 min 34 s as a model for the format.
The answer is 3 h 14 min 27 s
